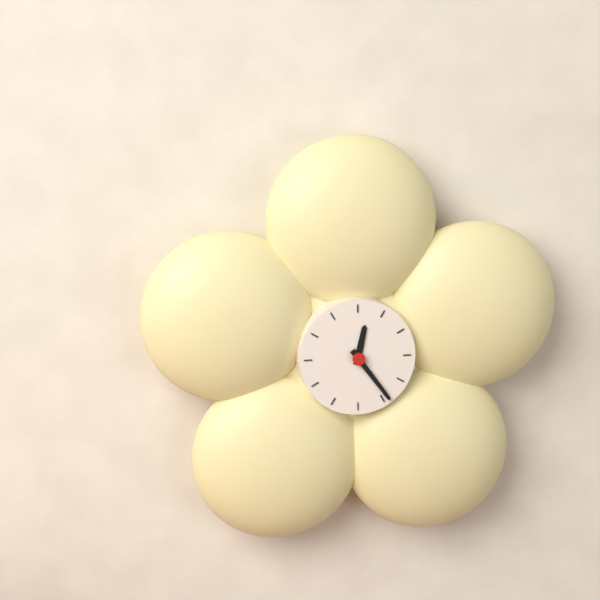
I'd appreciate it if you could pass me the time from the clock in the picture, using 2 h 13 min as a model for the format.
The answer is 12 h 24 min
